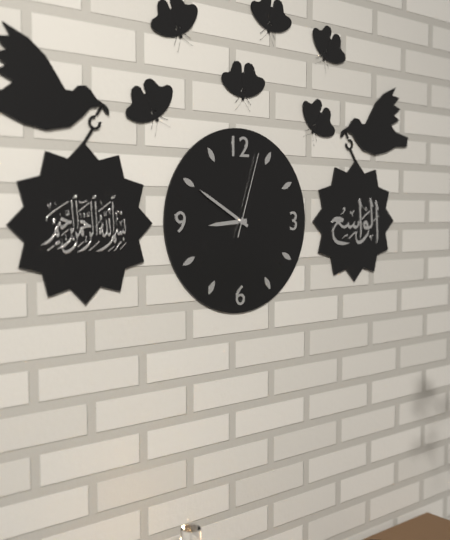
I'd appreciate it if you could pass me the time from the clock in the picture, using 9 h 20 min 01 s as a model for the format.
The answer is 8 h 50 min 03 s
